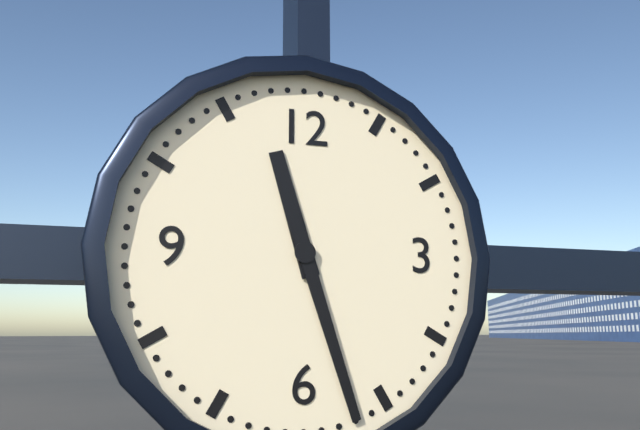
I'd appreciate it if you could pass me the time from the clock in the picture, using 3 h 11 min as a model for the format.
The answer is 11 h 27 min
